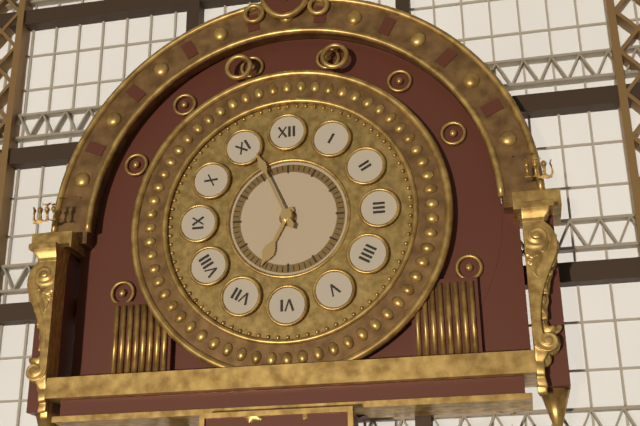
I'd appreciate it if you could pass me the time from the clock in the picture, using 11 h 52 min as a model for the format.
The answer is 6 h 56 min
